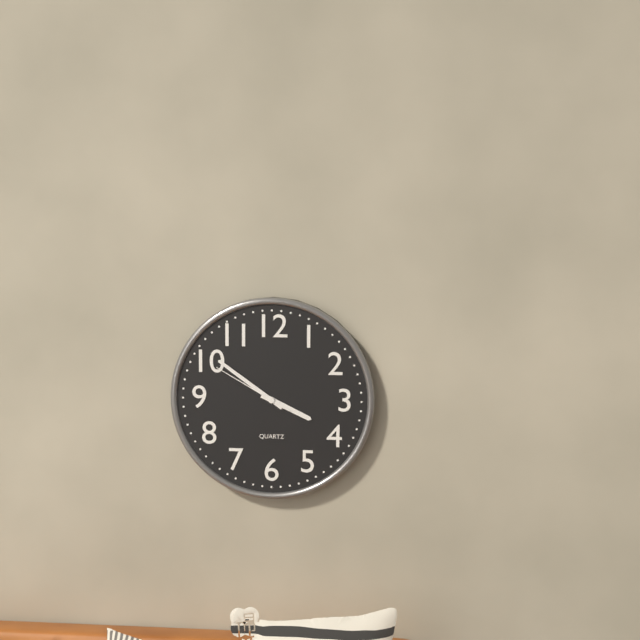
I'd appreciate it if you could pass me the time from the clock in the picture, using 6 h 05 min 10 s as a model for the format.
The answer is 3 h 51 min 50 s
